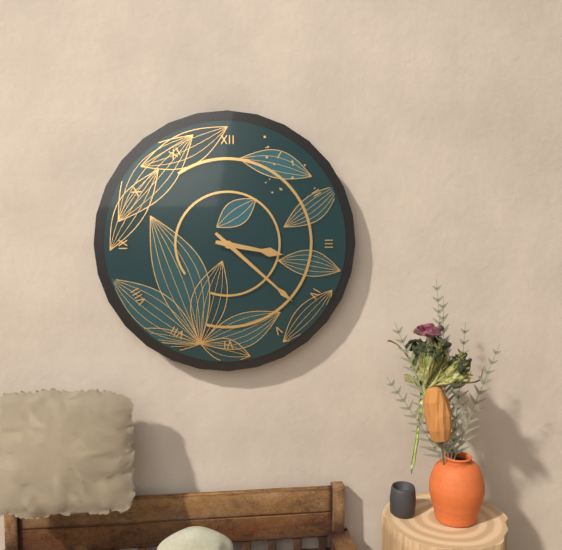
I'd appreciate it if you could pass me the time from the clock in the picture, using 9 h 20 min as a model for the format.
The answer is 3 h 22 min
